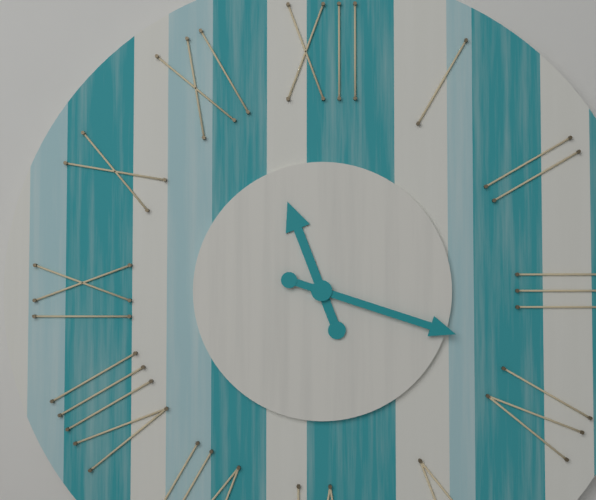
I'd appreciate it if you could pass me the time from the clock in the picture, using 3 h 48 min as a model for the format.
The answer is 11 h 18 min
